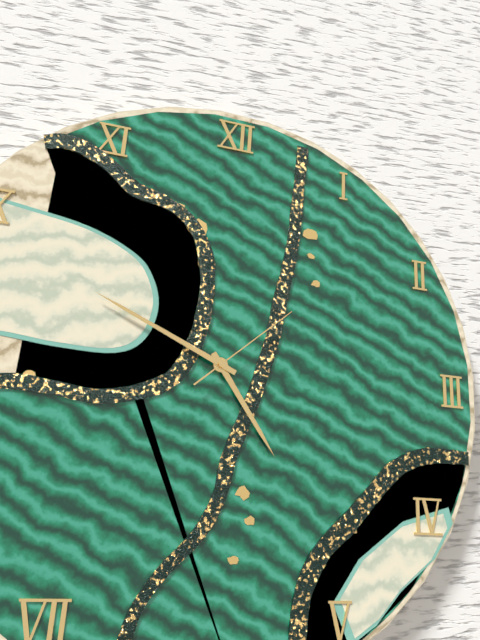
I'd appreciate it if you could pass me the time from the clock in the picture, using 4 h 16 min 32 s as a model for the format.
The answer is 4 h 49 min 08 s
